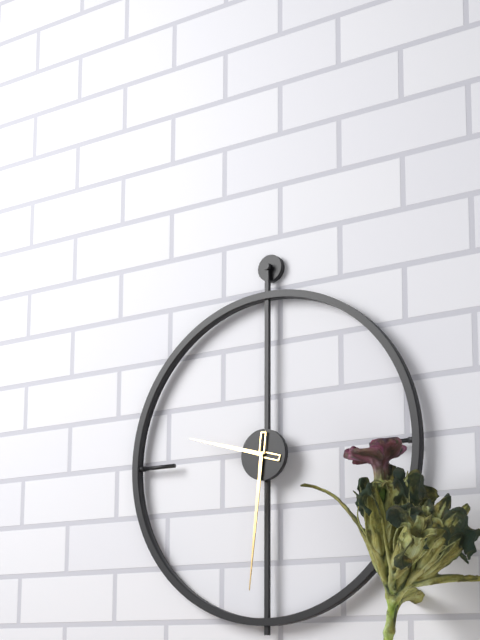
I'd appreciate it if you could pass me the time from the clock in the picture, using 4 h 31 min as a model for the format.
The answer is 9 h 31 min
